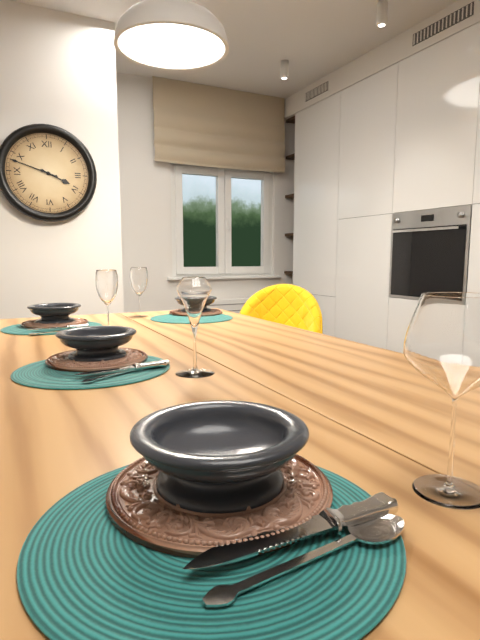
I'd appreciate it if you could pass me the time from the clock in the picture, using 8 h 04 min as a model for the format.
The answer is 3 h 48 min
